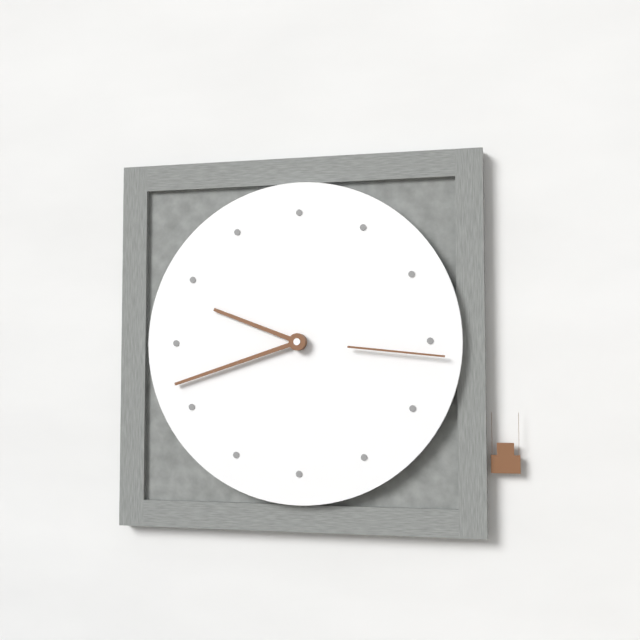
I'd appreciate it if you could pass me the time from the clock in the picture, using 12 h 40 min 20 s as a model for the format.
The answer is 9 h 42 min 16 s
